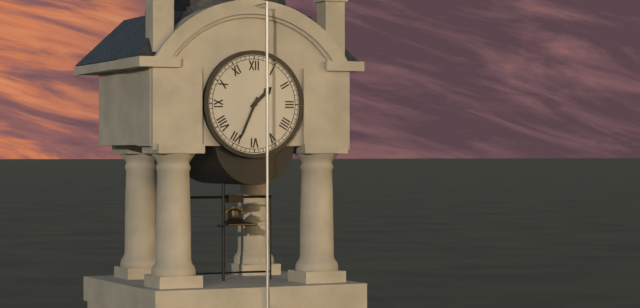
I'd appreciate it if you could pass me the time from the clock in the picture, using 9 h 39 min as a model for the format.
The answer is 1 h 34 min
